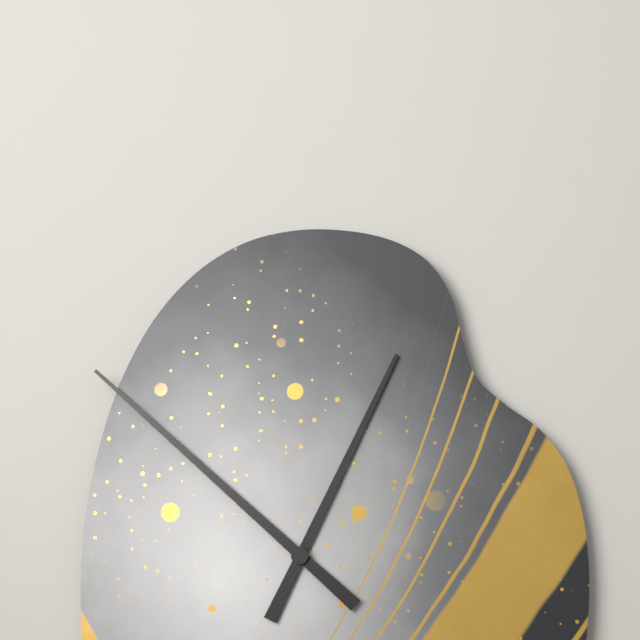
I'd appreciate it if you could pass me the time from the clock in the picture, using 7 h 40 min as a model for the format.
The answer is 12 h 52 min
